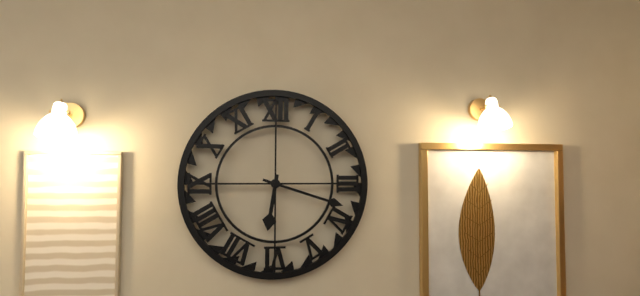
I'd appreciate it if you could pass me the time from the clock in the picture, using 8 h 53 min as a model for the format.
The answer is 6 h 18 min
